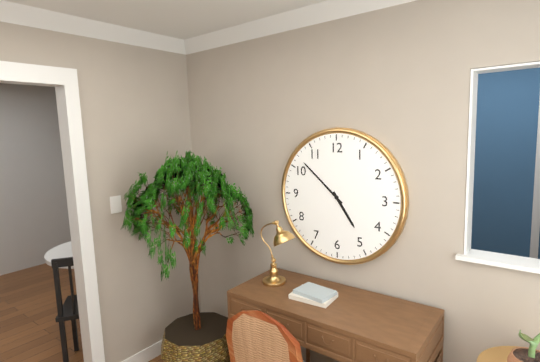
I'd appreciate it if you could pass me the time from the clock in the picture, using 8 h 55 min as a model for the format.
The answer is 4 h 52 min
